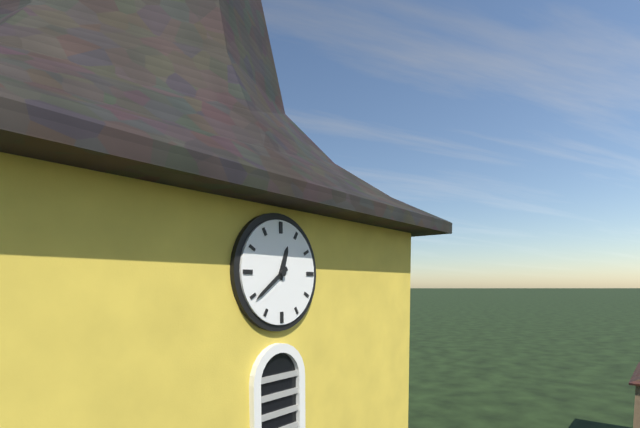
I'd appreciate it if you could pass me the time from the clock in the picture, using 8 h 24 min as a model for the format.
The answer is 12 h 39 min
